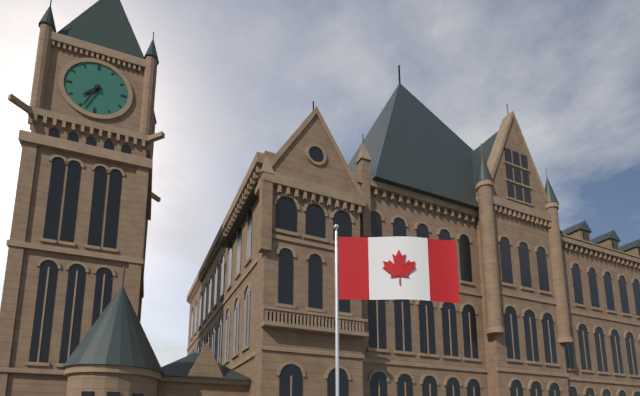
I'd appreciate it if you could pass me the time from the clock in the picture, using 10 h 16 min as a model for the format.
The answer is 7 h 34 min
